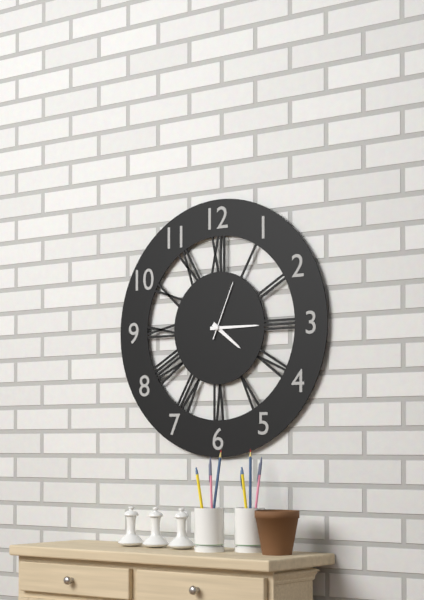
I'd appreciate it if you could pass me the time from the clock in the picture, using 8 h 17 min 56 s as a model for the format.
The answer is 4 h 15 min 04 s
